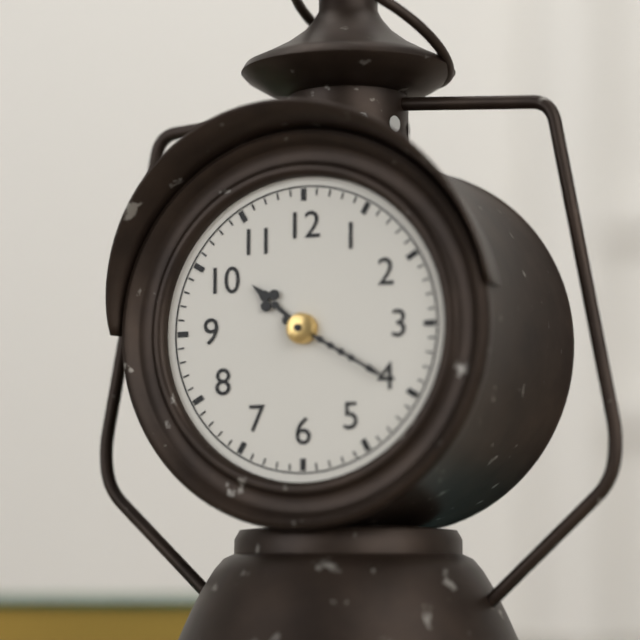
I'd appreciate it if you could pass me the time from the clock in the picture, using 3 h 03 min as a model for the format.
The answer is 10 h 20 min
